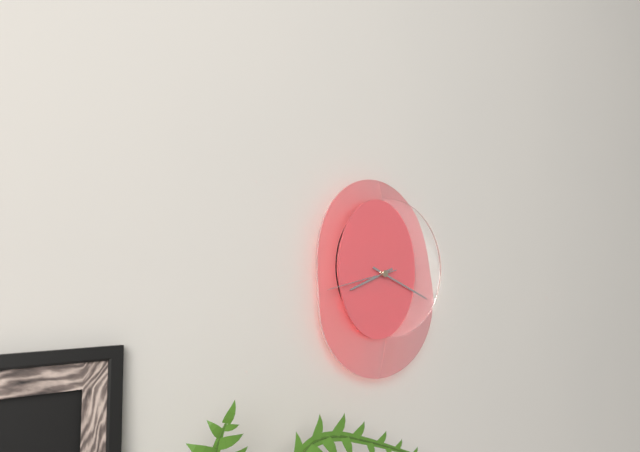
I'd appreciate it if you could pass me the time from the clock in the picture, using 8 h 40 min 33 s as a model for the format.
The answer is 8 h 19 min 43 s
